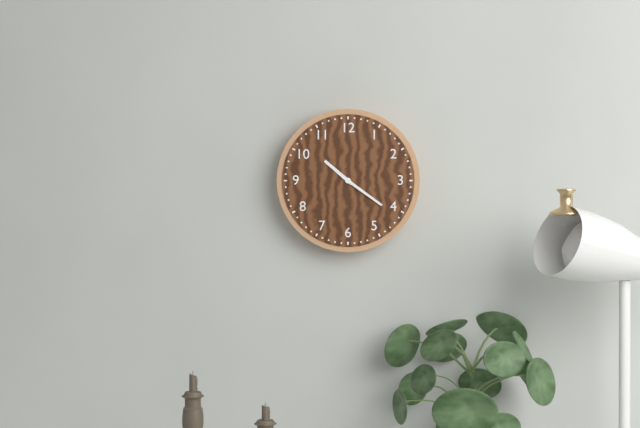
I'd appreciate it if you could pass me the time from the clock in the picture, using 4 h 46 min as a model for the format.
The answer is 10 h 21 min
